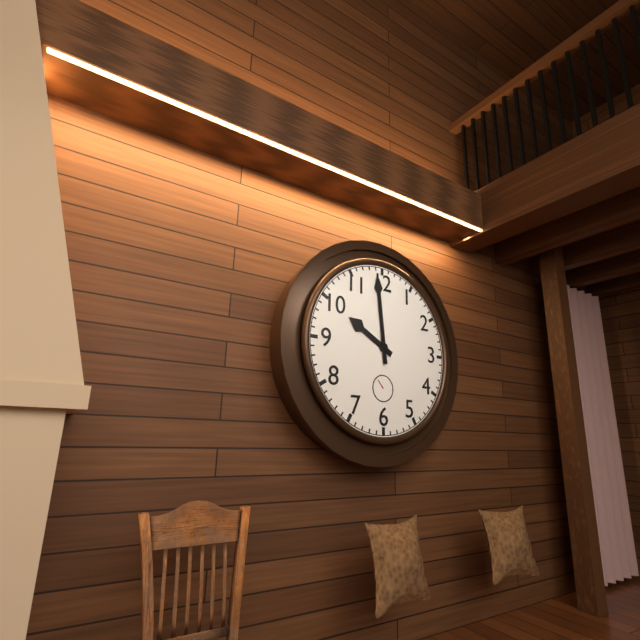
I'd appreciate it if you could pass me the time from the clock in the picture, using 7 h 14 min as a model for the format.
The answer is 9 h 59 min
